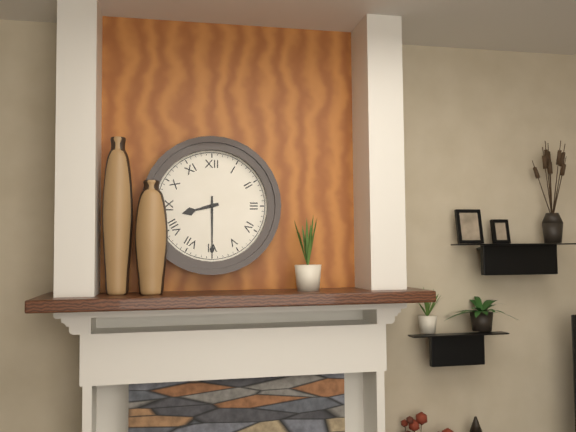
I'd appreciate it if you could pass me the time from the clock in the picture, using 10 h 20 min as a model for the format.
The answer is 8 h 30 min
